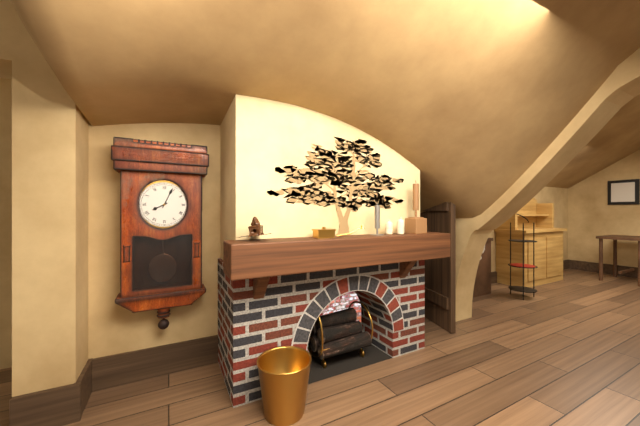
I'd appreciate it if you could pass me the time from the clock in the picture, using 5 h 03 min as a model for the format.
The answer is 8 h 04 min
